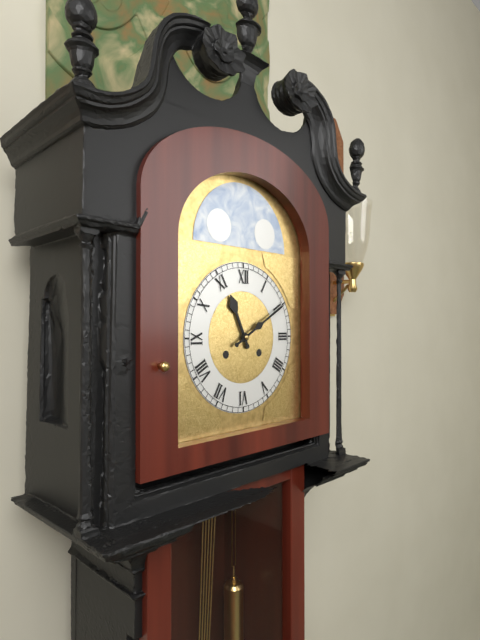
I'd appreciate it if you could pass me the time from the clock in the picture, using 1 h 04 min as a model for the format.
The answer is 11 h 10 min
